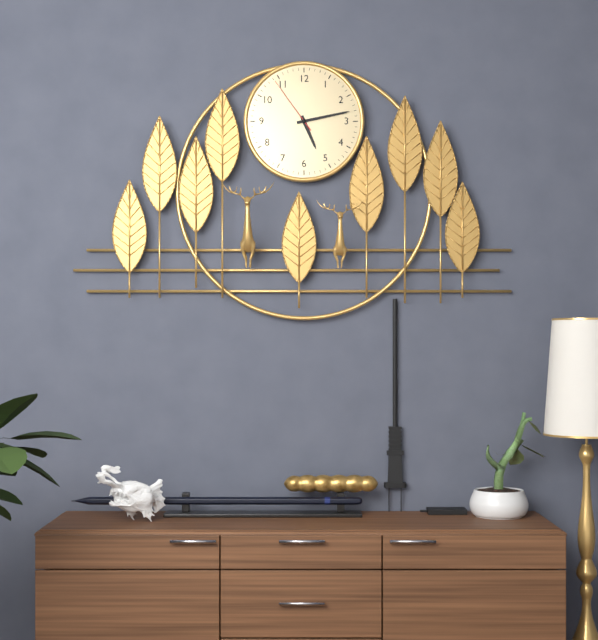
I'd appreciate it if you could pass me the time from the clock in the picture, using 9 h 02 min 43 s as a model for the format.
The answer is 5 h 13 min 54 s
